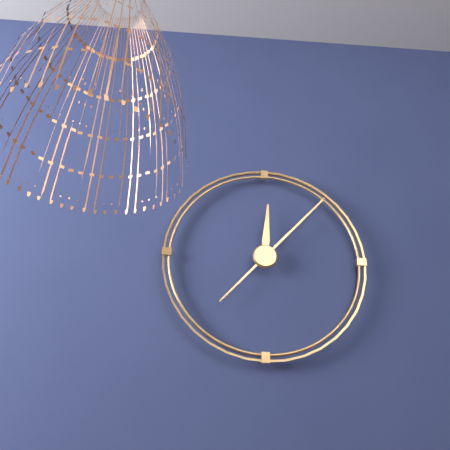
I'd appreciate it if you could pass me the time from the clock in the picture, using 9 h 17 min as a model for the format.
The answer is 12 h 07 min
